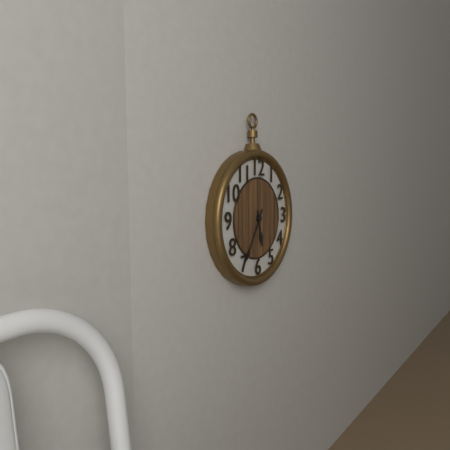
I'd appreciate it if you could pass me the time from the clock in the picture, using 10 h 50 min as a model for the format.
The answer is 5 h 35 min
